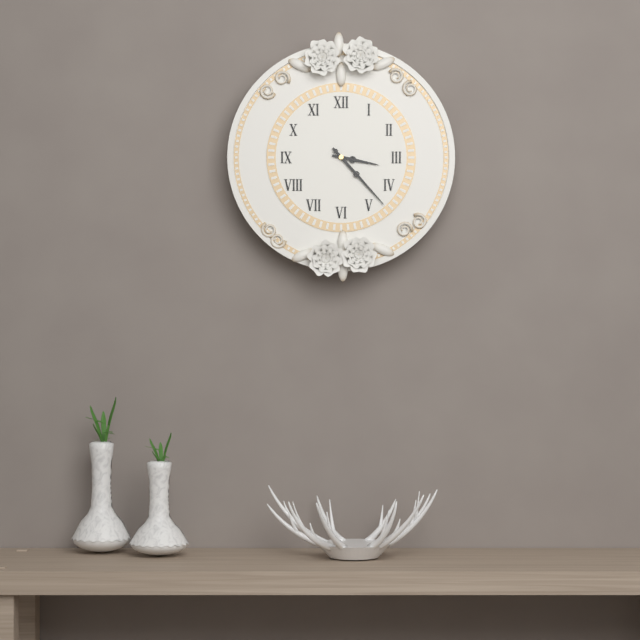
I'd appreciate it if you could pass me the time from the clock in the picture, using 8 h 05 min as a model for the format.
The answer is 3 h 23 min
